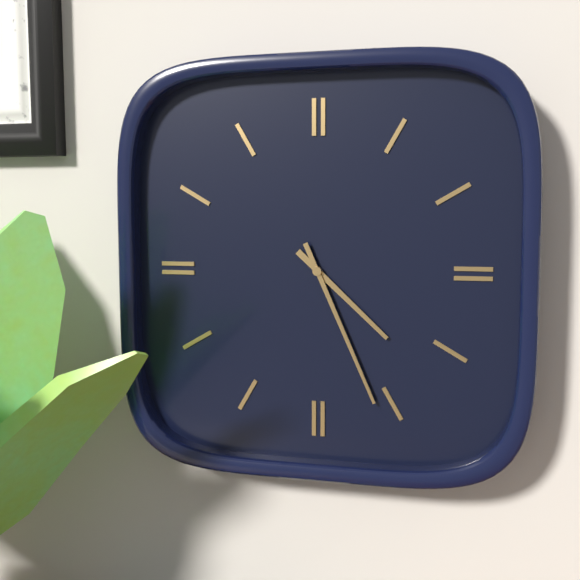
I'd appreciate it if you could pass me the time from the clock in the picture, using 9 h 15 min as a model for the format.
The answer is 4 h 26 min
